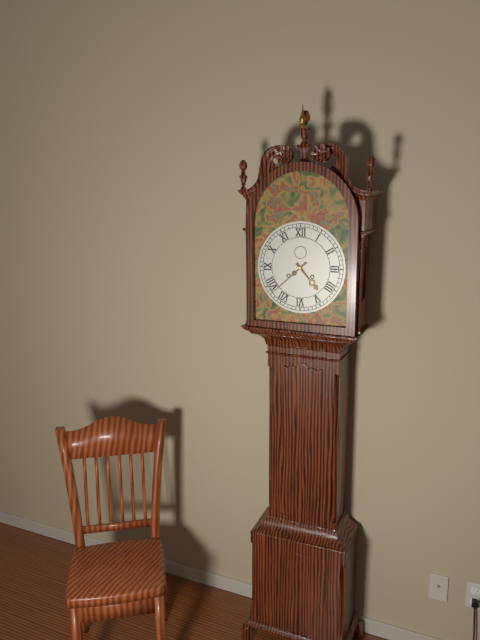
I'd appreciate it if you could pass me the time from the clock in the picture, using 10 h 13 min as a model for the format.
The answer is 4 h 38 min
